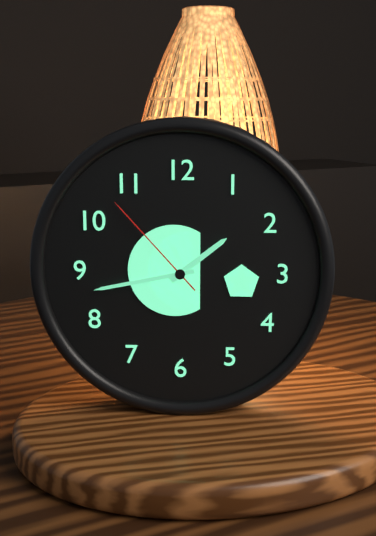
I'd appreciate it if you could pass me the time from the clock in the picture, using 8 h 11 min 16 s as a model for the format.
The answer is 1 h 43 min 53 s
